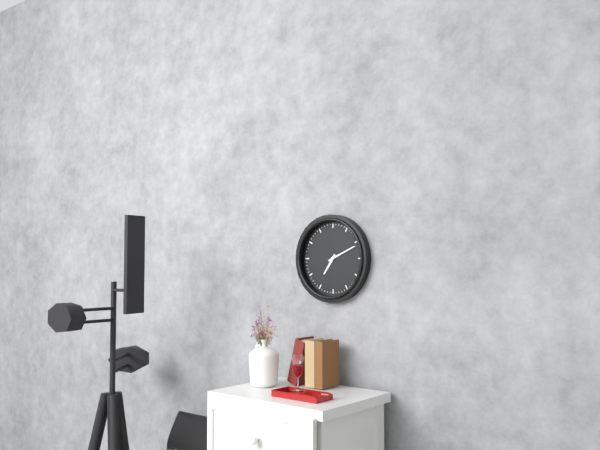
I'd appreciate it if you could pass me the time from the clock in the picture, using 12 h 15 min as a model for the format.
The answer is 7 h 11 min
